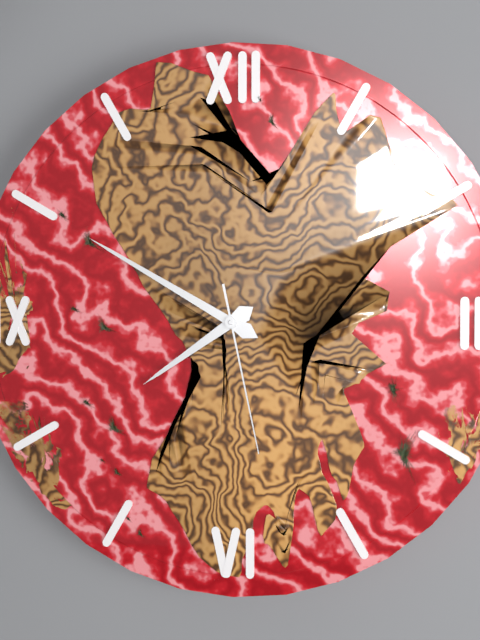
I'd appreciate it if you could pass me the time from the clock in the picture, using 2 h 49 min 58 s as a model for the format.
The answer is 7 h 50 min 28 s
